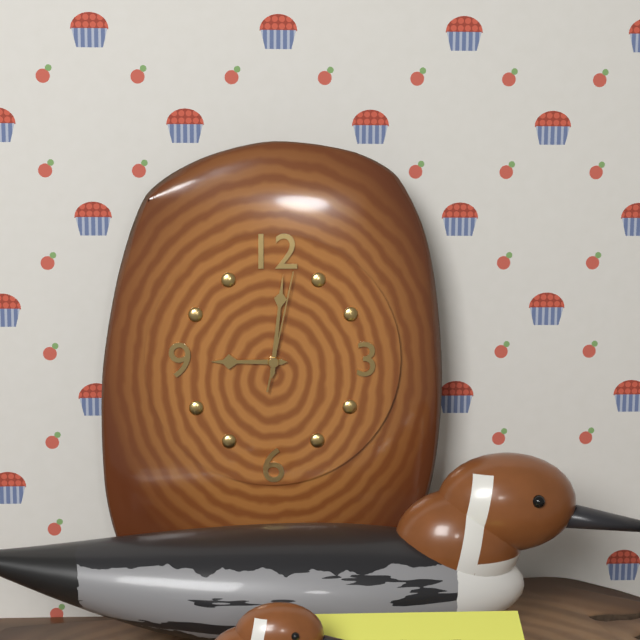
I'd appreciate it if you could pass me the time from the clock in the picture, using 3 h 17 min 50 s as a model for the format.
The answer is 9 h 01 min 02 s
